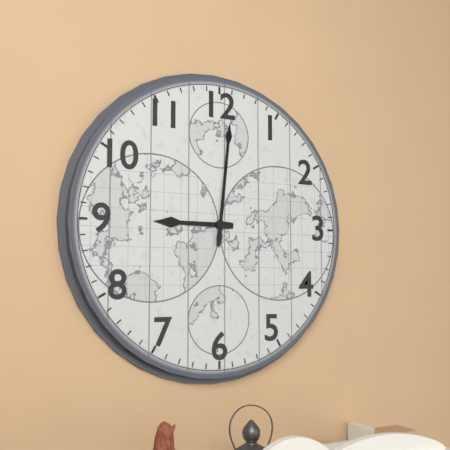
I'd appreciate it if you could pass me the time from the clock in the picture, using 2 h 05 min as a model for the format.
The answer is 9 h 01 min
